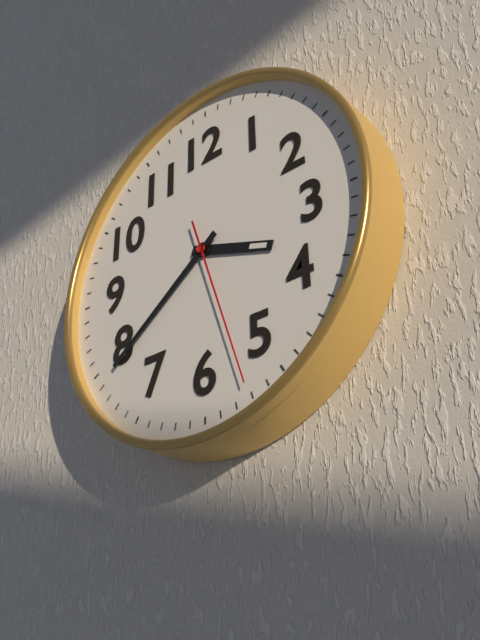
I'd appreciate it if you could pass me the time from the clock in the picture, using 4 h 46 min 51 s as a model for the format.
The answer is 3 h 39 min 27 s
